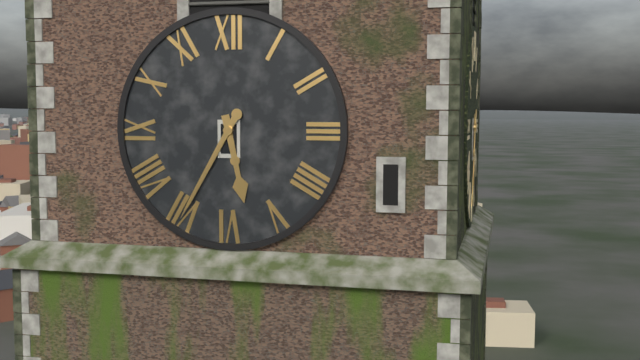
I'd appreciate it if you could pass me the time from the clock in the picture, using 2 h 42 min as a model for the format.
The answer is 5 h 35 min
